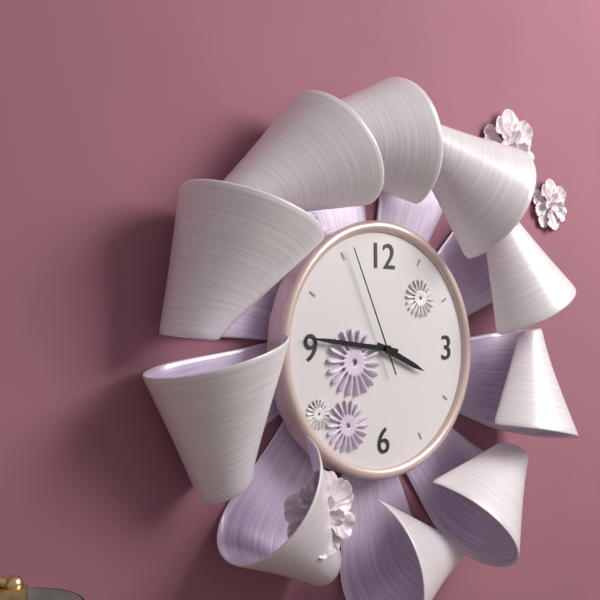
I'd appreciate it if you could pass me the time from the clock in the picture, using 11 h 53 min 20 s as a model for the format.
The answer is 3 h 46 min 56 s
